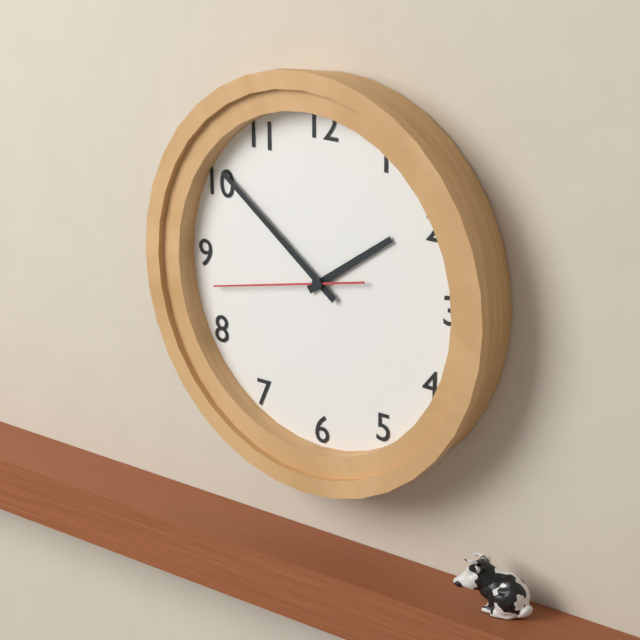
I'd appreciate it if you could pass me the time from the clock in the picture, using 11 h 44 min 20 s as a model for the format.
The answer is 1 h 51 min 43 s
